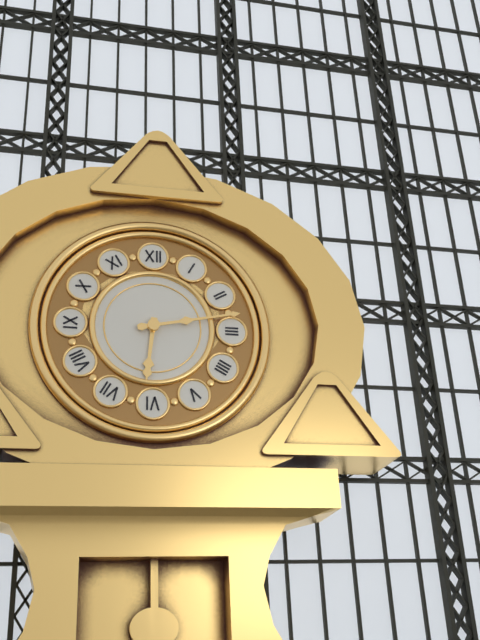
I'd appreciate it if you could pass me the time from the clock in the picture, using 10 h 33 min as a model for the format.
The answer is 6 h 13 min
